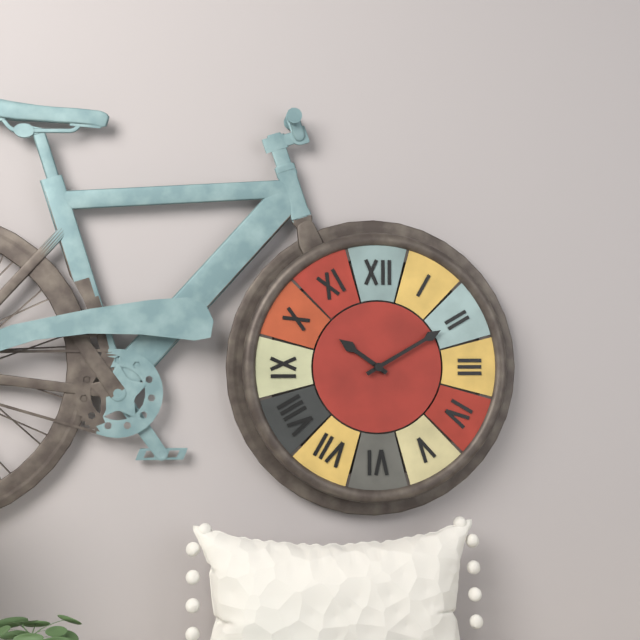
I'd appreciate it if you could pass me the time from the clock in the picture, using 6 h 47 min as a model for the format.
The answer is 10 h 10 min
